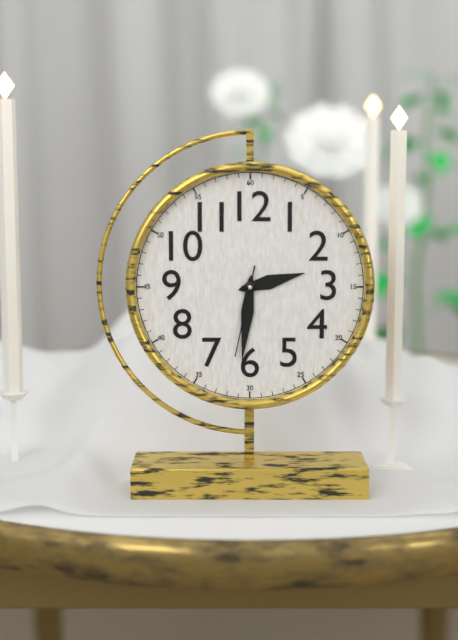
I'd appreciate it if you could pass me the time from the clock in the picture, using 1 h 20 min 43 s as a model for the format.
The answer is 2 h 31 min 32 s
